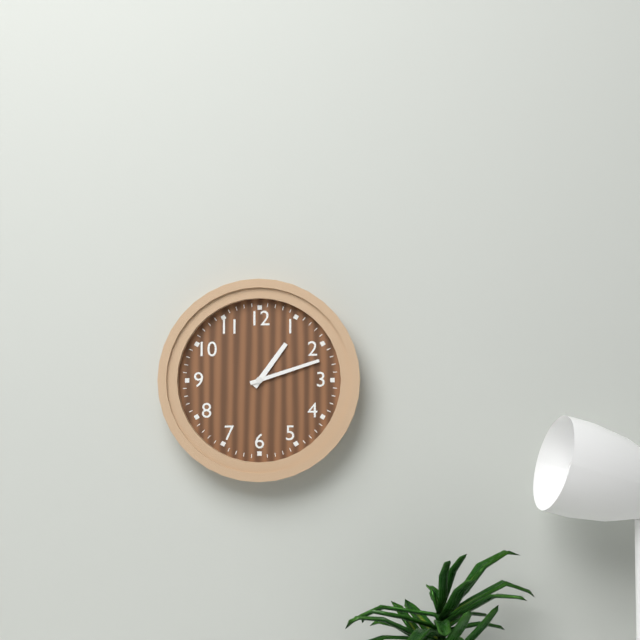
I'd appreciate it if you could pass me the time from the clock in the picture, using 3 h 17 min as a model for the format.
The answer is 1 h 12 min
